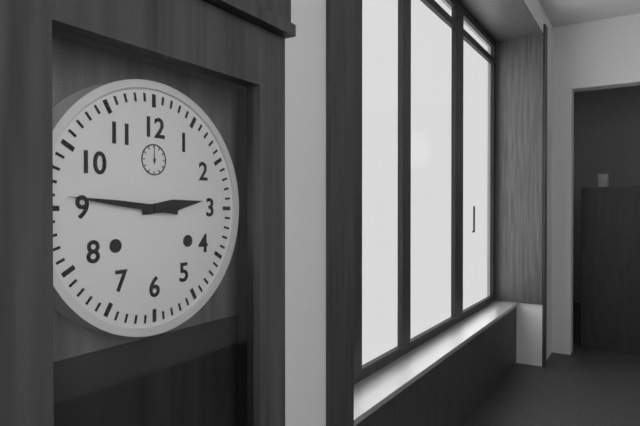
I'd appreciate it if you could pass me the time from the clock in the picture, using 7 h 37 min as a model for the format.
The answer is 2 h 46 min
